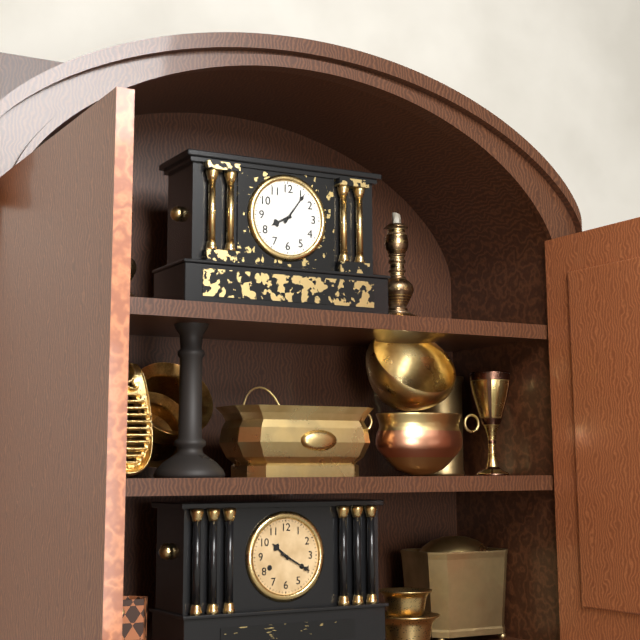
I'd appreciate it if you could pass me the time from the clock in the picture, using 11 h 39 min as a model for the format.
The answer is 8 h 06 min
